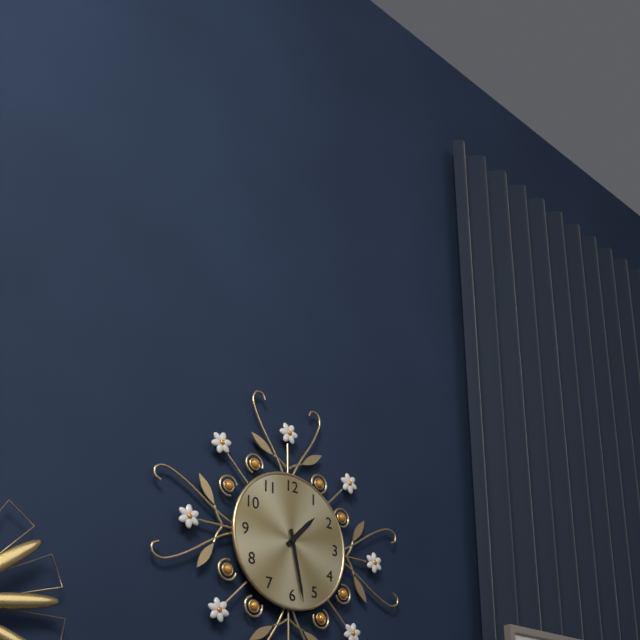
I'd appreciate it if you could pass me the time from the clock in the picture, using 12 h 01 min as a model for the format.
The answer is 1 h 28 min
